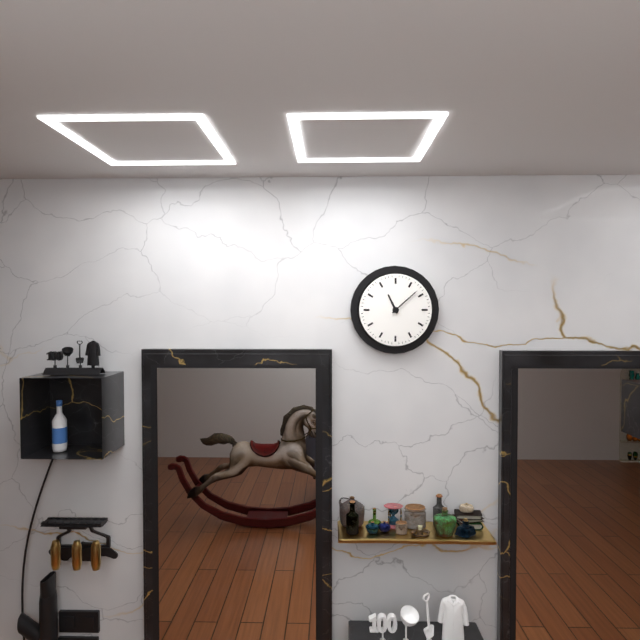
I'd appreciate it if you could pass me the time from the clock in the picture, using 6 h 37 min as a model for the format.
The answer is 11 h 08 min
